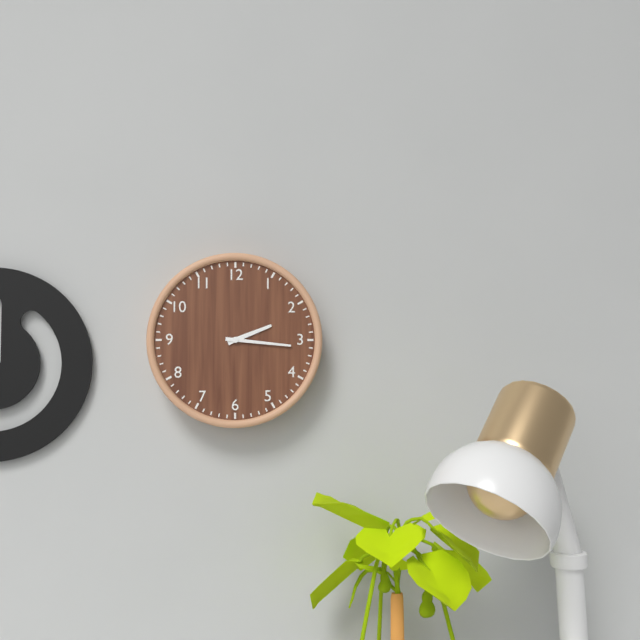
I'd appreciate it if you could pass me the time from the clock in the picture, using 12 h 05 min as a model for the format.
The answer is 2 h 16 min
